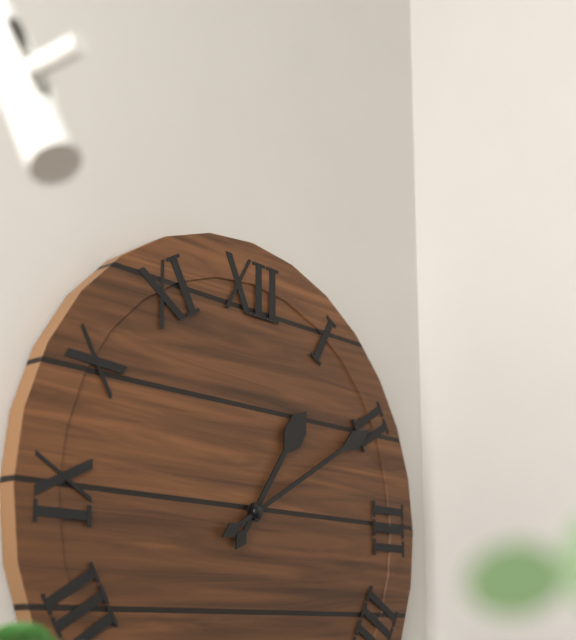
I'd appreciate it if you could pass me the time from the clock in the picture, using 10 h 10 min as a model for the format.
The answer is 1 h 10 min
